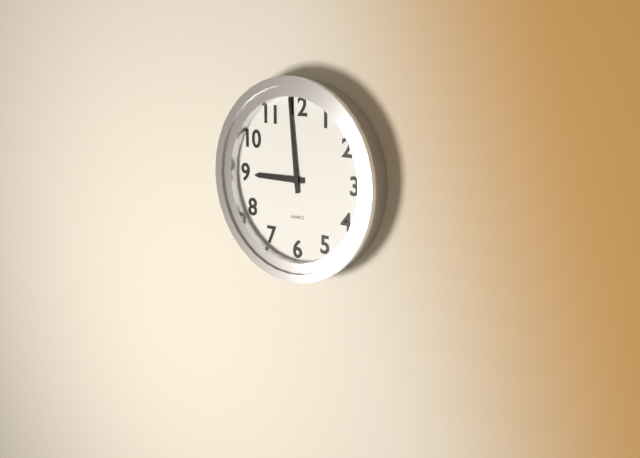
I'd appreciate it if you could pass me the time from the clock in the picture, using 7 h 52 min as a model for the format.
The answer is 8 h 59 min
